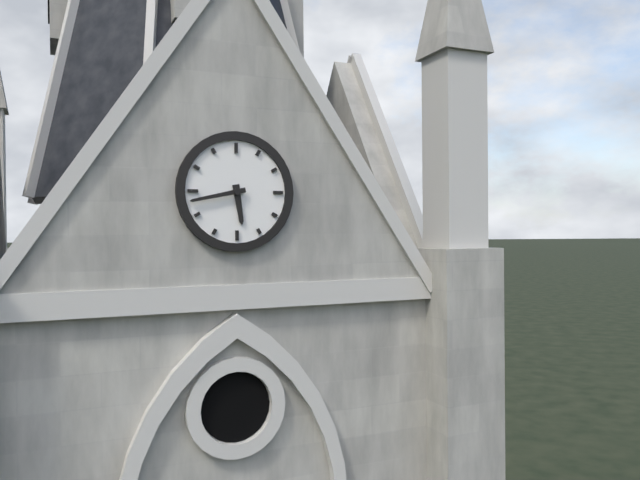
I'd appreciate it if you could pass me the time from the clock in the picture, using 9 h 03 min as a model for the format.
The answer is 5 h 43 min
